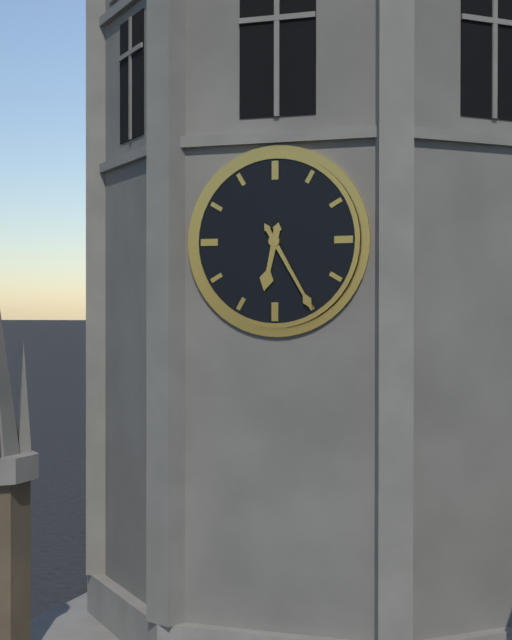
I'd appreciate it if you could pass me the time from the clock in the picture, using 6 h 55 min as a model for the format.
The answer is 6 h 25 min
